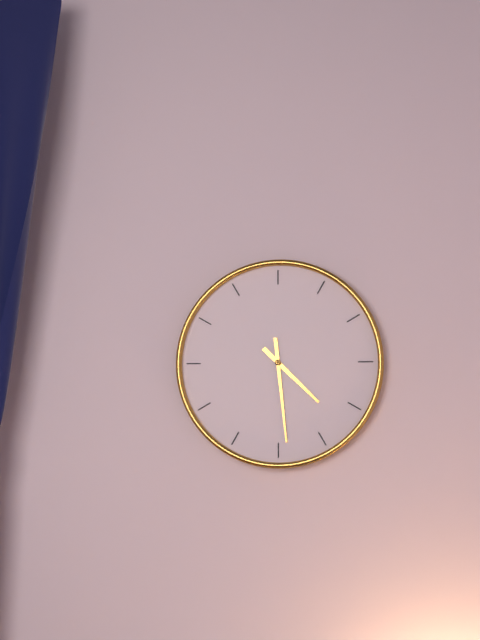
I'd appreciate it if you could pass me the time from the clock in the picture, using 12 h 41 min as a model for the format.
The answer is 4 h 29 min
